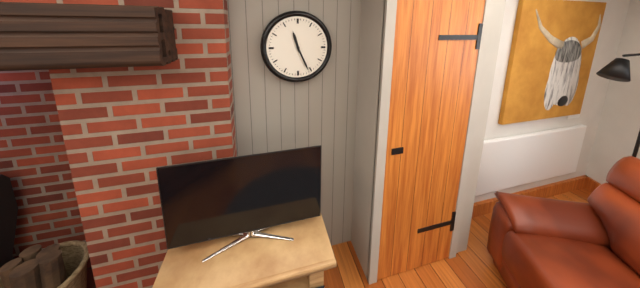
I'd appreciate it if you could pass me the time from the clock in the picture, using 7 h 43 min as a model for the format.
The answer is 11 h 26 min
